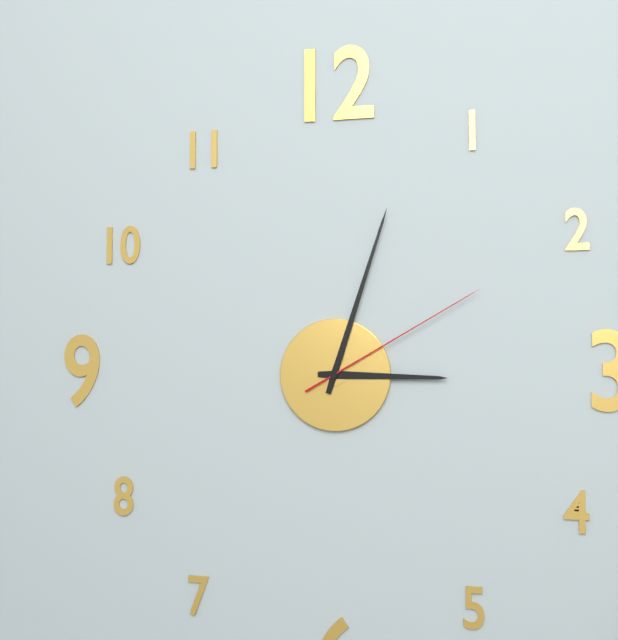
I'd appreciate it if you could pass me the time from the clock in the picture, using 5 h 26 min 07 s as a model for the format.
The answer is 3 h 03 min 10 s
